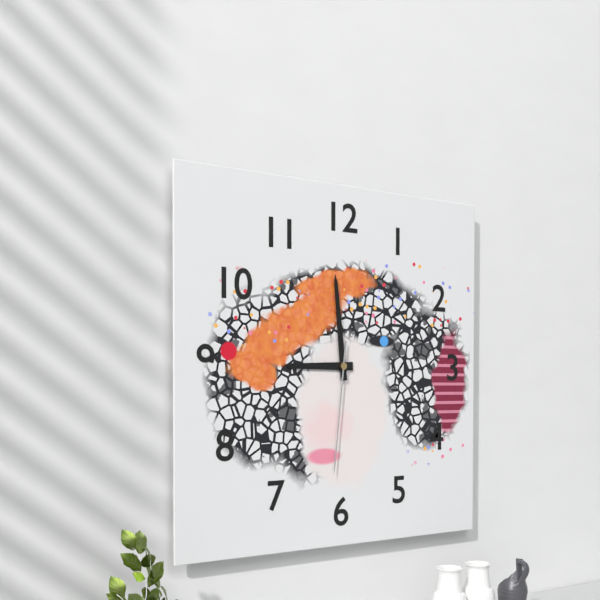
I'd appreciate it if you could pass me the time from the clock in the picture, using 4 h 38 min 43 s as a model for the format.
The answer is 8 h 59 min 31 s
